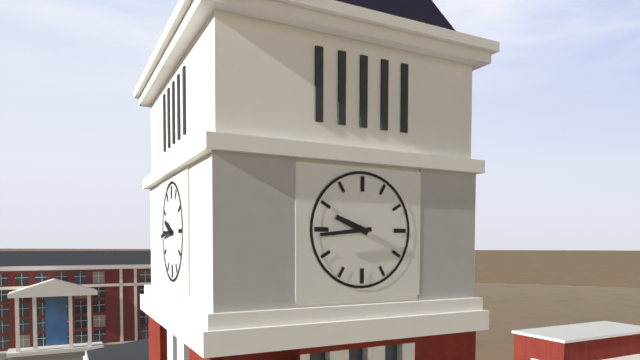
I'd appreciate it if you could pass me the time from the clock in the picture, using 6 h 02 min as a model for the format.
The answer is 9 h 44 min
